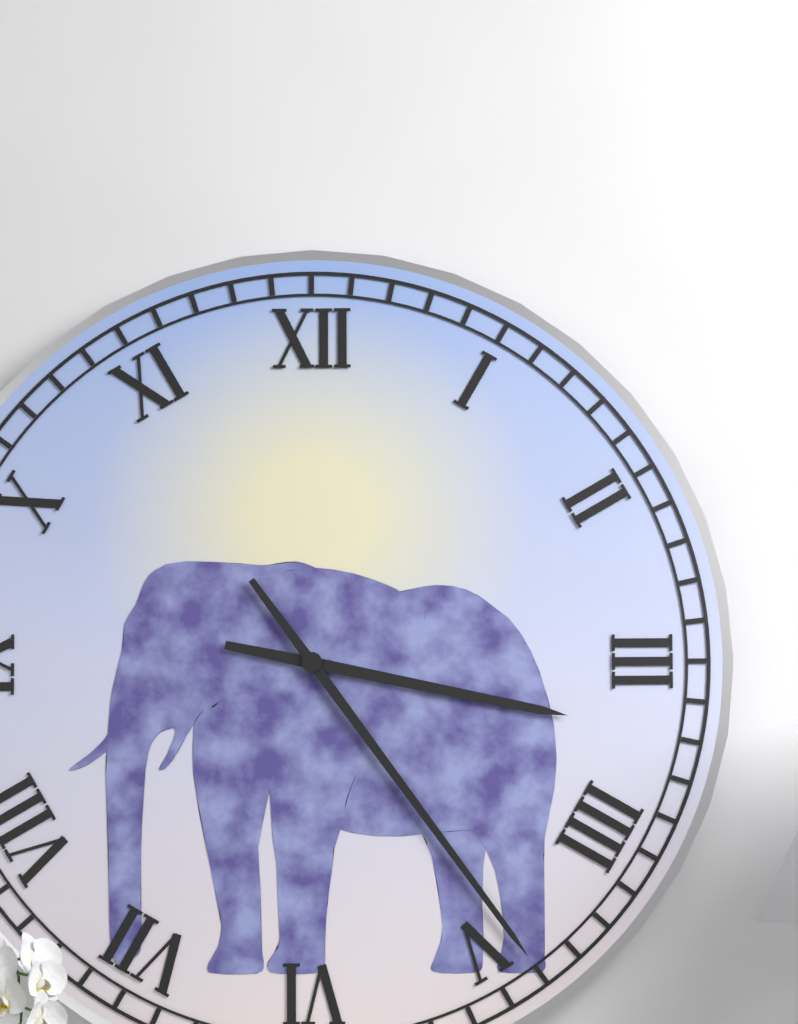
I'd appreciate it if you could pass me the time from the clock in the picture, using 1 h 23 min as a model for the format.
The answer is 3 h 24 min
